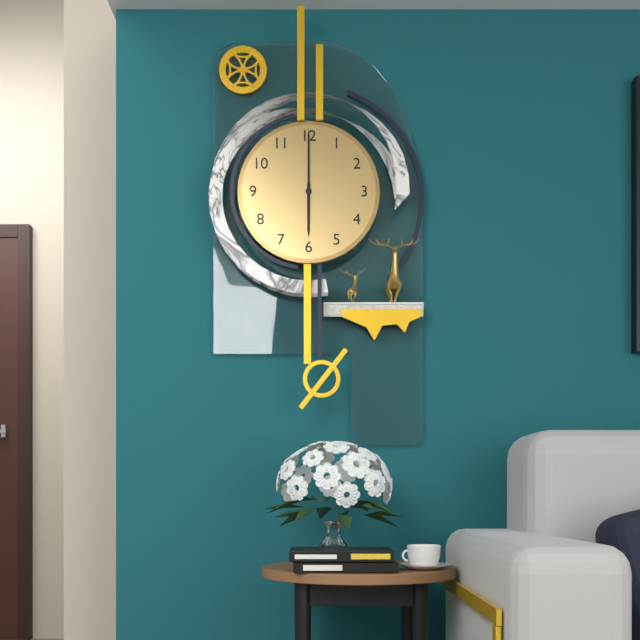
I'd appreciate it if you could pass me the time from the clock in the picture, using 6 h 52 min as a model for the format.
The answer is 6 h 00 min
